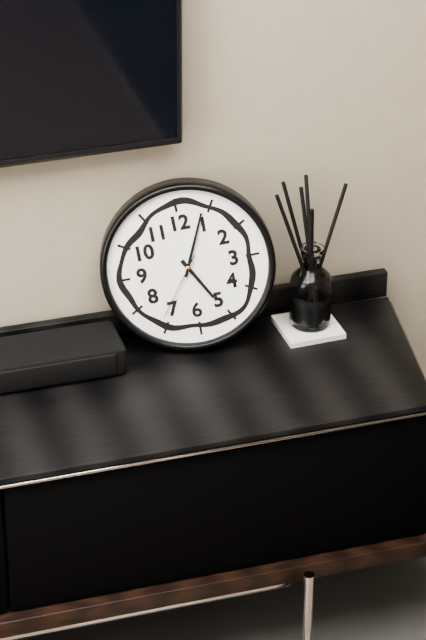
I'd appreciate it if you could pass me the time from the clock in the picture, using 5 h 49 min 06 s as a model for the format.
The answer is 5 h 04 min 36 s
